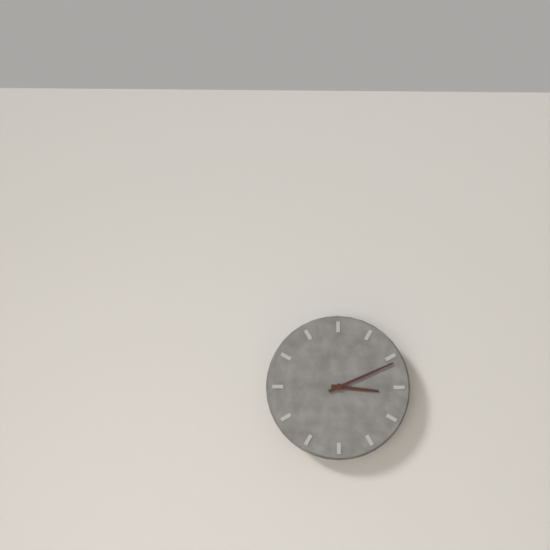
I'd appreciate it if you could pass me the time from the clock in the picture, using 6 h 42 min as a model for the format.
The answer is 3 h 11 min
